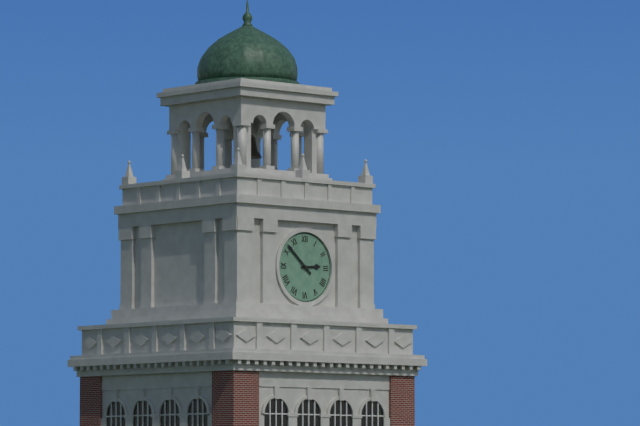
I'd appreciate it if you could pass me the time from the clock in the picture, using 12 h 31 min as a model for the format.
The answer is 2 h 52 min
